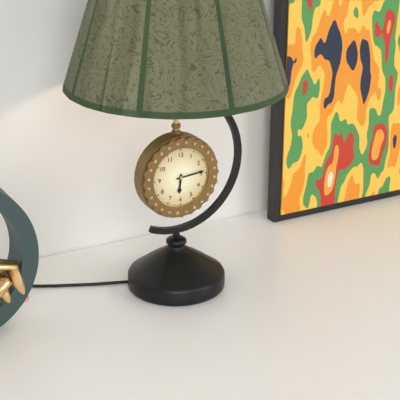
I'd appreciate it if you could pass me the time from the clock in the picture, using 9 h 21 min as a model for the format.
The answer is 6 h 14 min
